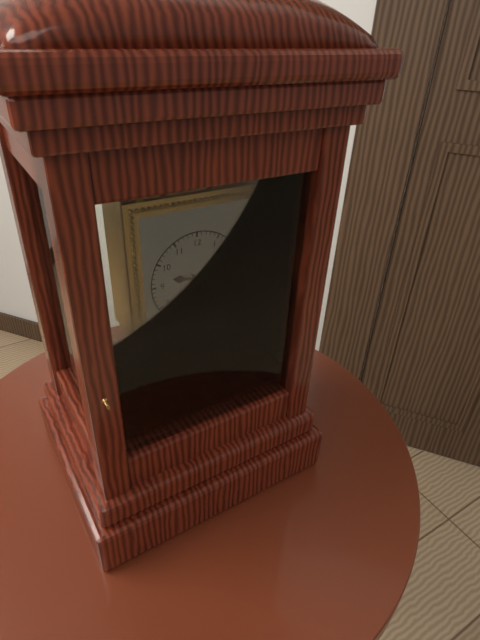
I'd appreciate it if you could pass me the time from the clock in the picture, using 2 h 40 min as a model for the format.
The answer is 9 h 22 min
